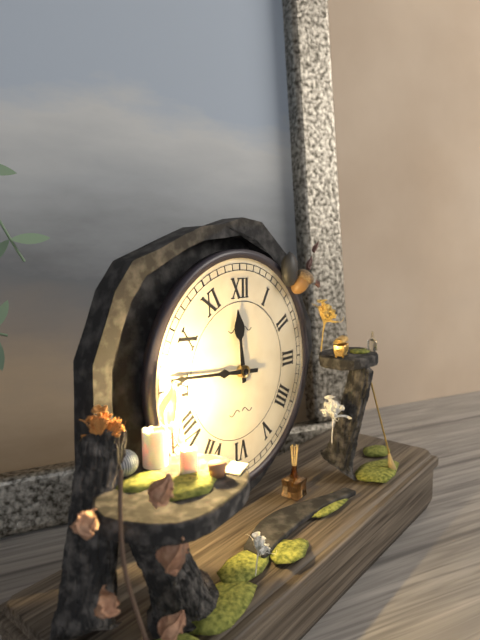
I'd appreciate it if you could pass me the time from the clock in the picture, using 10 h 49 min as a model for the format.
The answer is 11 h 46 min
